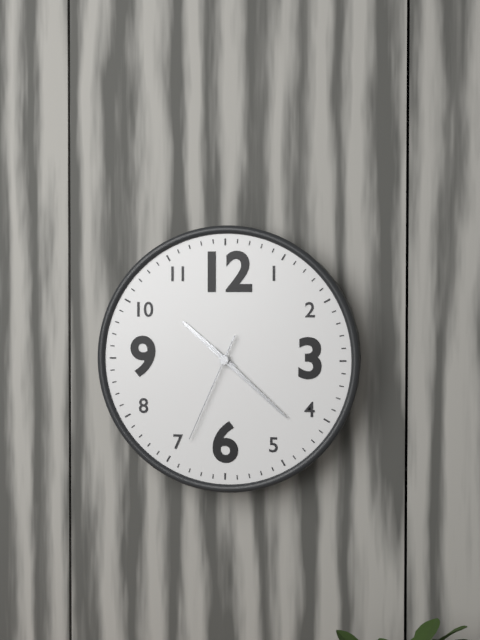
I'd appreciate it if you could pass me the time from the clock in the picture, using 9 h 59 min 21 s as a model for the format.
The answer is 10 h 22 min 34 s
